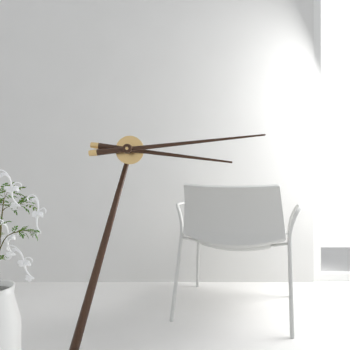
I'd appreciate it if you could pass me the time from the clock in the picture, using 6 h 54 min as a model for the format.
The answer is 3 h 14 min
